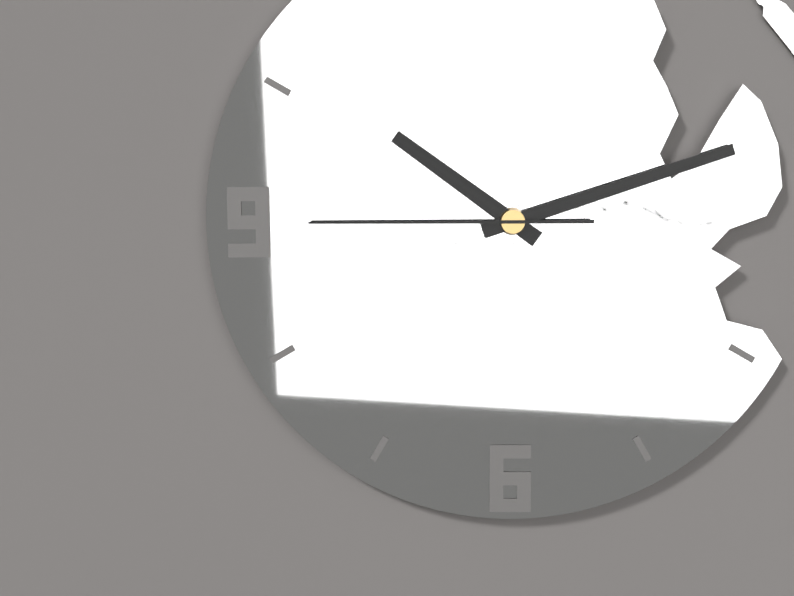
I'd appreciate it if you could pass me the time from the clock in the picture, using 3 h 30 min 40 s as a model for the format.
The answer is 10 h 12 min 45 s
